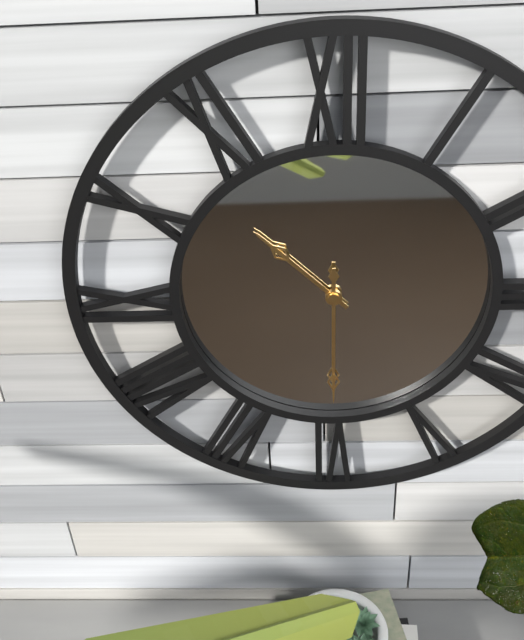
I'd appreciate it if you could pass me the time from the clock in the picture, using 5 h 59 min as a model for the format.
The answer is 10 h 30 min
